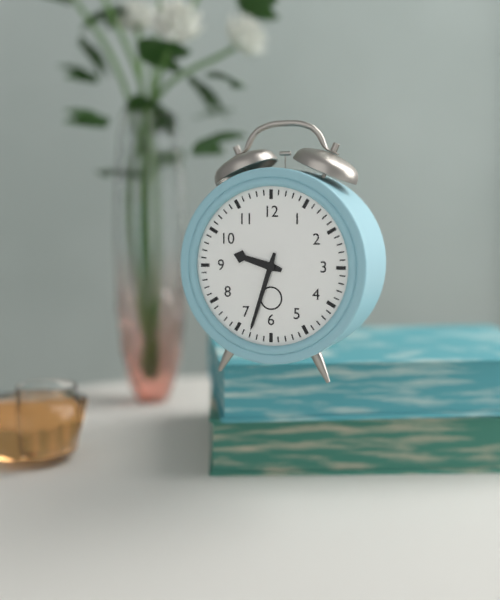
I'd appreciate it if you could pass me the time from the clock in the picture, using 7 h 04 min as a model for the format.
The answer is 9 h 33 min
